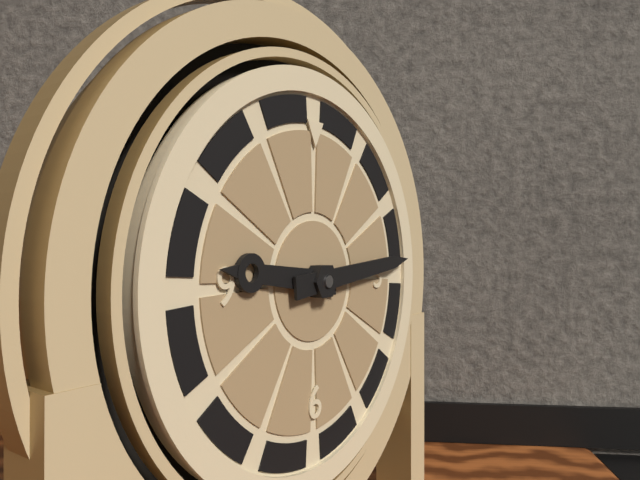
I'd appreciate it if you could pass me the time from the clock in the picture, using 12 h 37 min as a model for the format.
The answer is 9 h 14 min
